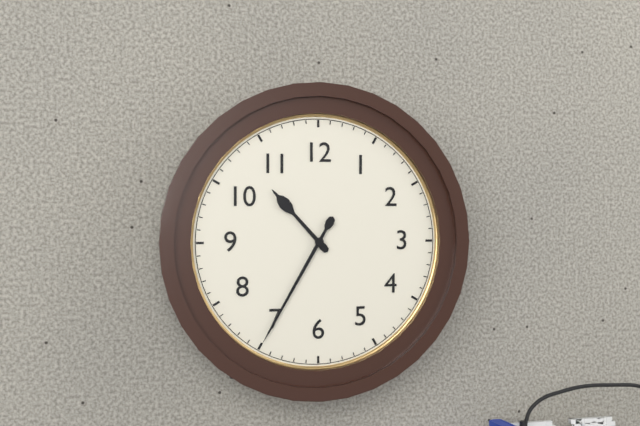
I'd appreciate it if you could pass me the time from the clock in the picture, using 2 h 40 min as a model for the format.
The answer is 10 h 35 min
